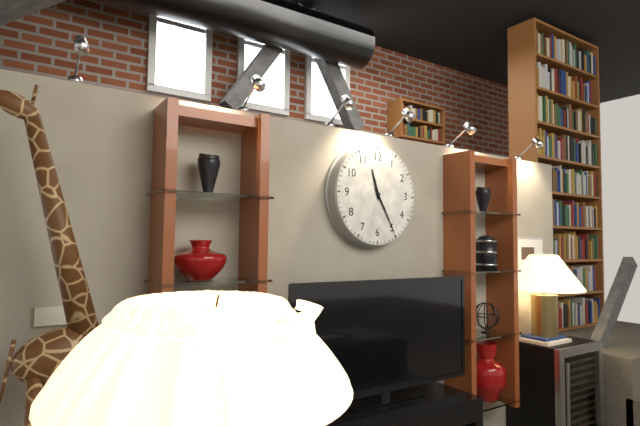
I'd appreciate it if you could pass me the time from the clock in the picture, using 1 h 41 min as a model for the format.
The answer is 11 h 25 min
